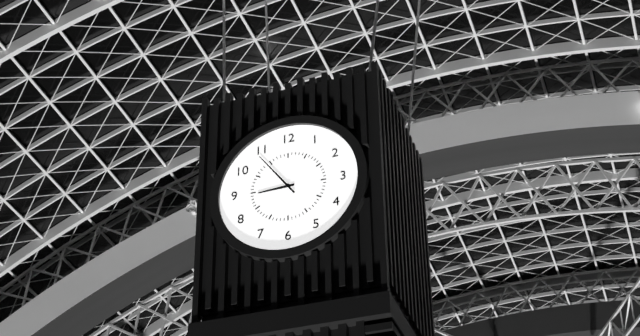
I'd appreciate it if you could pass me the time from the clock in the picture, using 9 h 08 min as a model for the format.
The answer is 8 h 54 min
